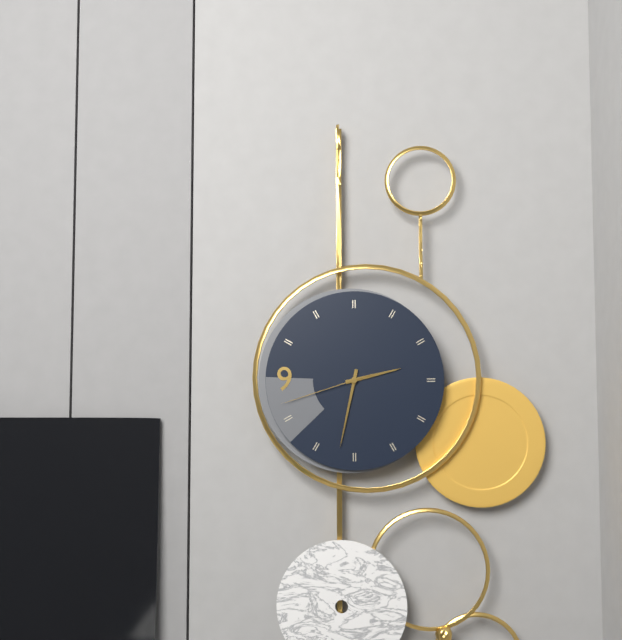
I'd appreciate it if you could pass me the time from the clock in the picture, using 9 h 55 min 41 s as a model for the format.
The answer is 2 h 32 min 42 s
